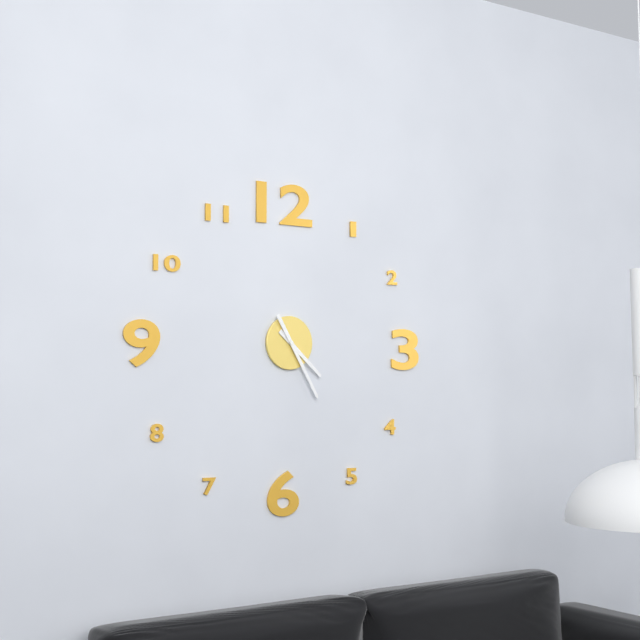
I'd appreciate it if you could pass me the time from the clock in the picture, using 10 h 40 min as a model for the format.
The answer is 4 h 25 min
